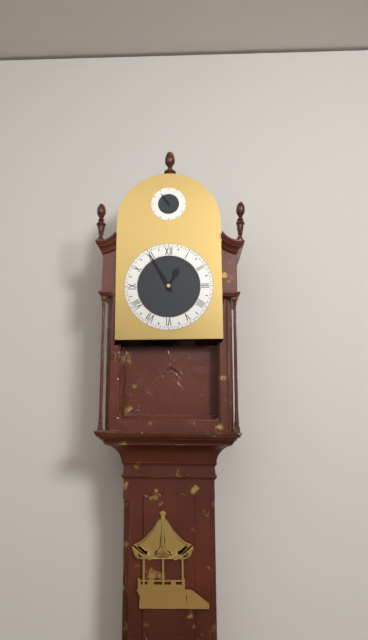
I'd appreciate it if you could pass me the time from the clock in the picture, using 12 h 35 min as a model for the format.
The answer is 12 h 55 min
